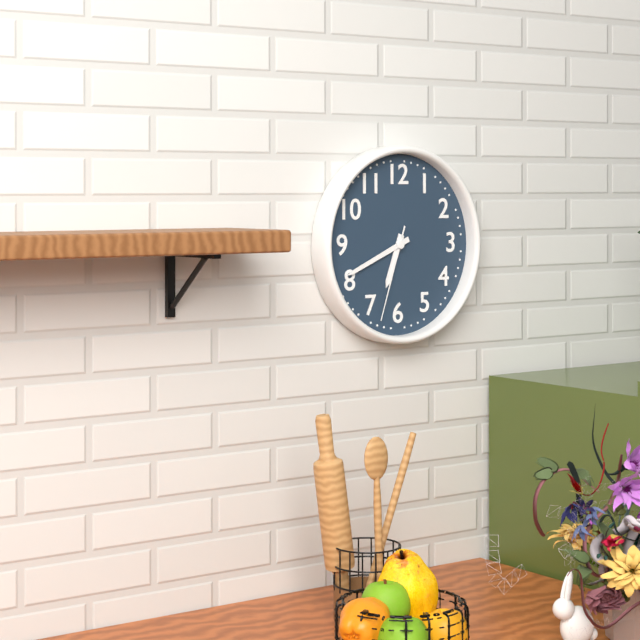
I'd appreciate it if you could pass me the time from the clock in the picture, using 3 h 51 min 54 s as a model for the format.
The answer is 6 h 41 min 33 s
